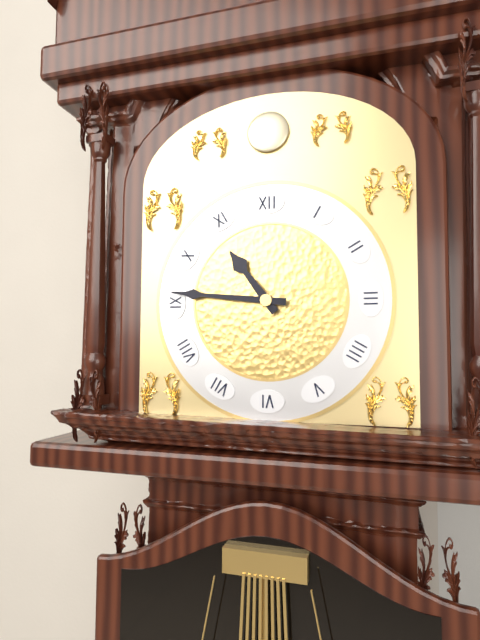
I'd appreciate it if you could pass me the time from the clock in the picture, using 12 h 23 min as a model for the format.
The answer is 10 h 46 min
